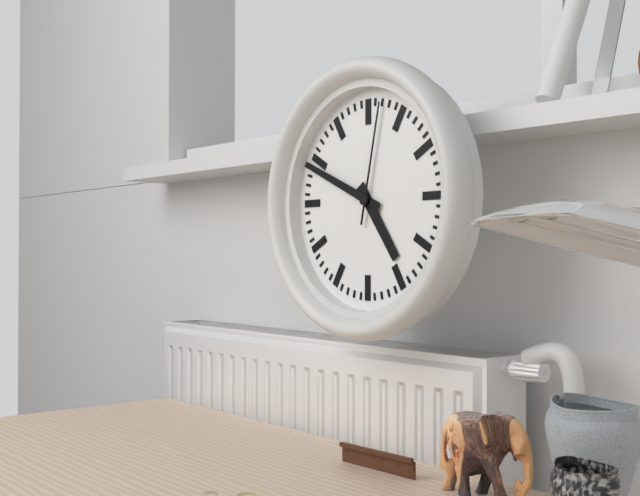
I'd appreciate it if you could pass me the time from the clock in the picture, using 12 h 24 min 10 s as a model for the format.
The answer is 4 h 49 min 02 s
